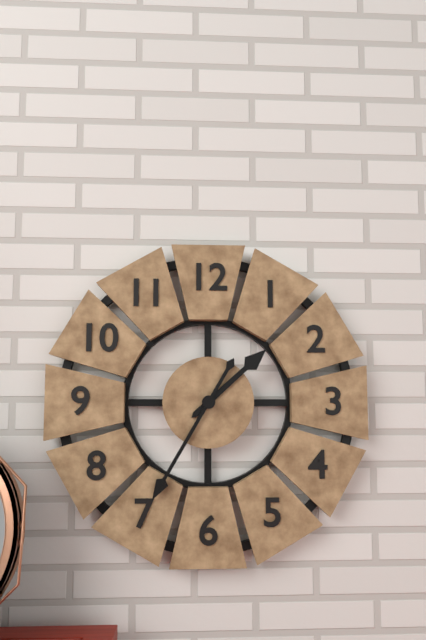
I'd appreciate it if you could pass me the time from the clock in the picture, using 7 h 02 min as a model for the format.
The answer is 1 h 35 min
